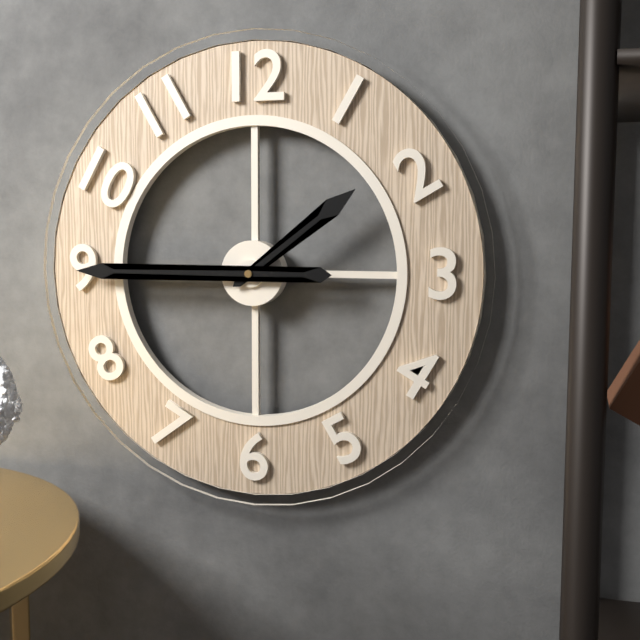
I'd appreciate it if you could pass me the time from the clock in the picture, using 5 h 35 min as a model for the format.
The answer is 1 h 45 min
